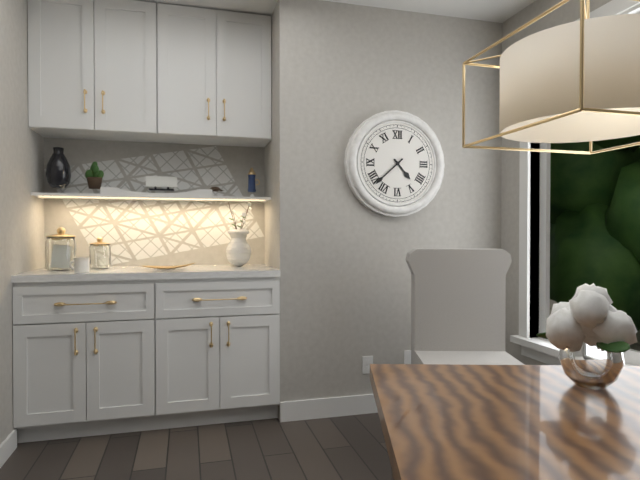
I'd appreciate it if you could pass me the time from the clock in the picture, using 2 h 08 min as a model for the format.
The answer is 4 h 38 min
